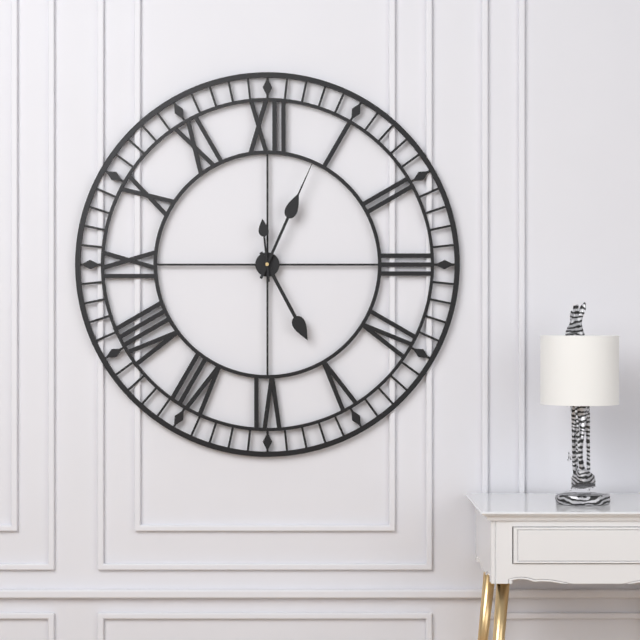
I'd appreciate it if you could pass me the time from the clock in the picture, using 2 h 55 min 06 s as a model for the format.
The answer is 5 h 04 min 59 s
